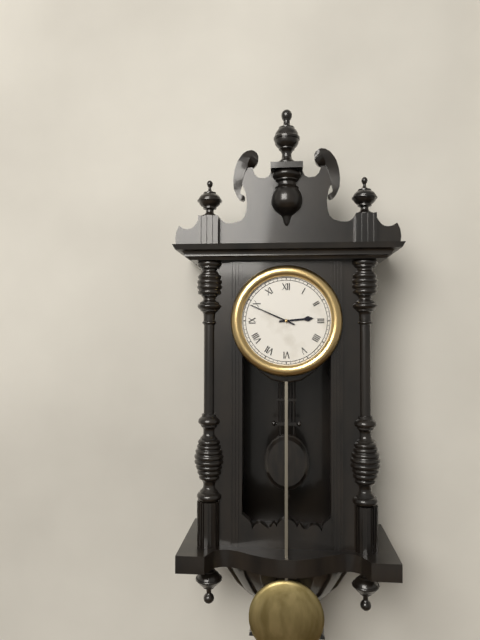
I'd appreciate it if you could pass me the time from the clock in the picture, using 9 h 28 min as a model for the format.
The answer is 2 h 49 min
